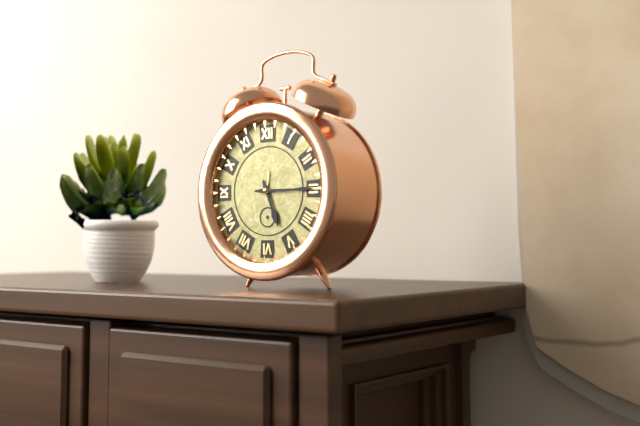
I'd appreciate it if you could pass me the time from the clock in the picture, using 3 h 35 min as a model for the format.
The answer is 5 h 15 min
